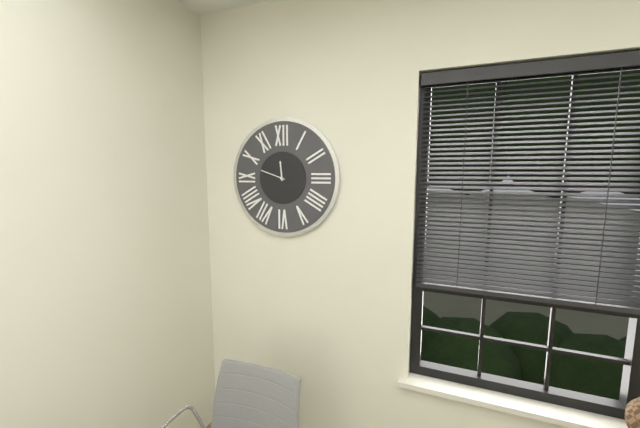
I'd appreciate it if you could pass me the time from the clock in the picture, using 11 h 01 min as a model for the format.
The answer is 11 h 48 min
